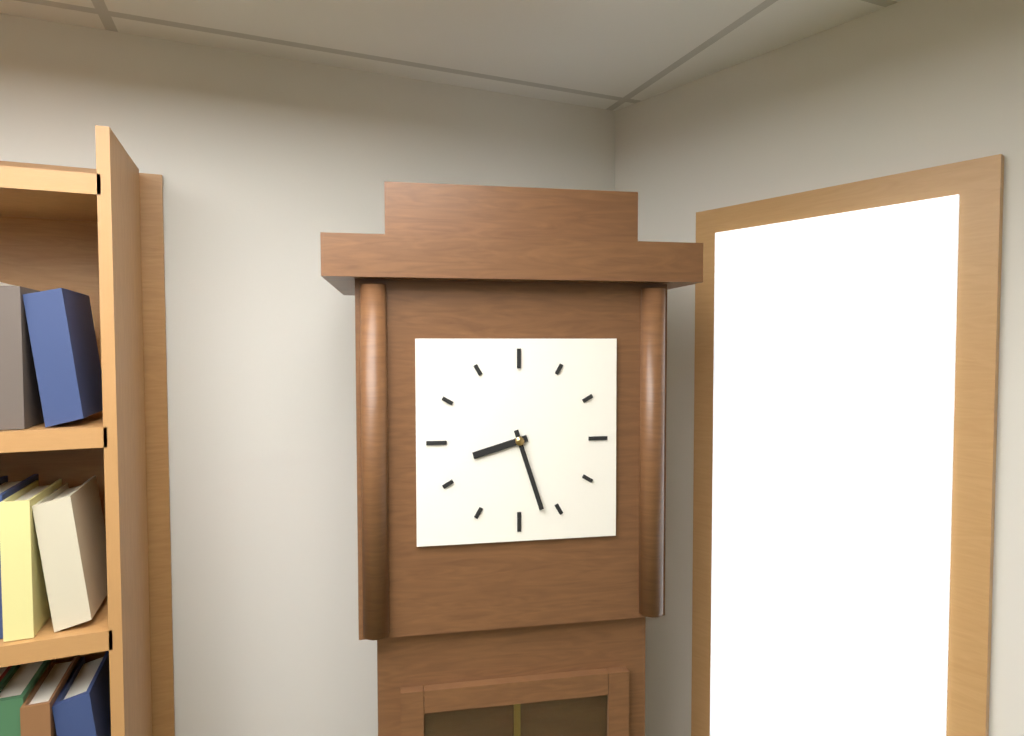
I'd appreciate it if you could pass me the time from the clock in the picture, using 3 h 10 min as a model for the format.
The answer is 8 h 27 min
